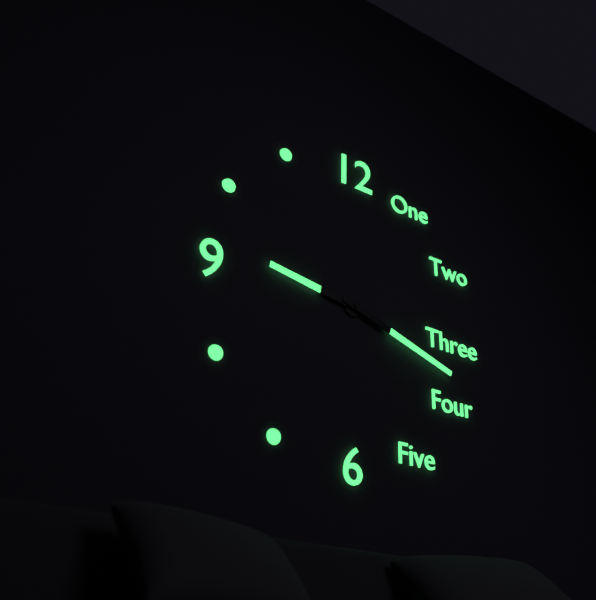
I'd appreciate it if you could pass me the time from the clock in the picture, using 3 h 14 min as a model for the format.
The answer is 9 h 18 min
